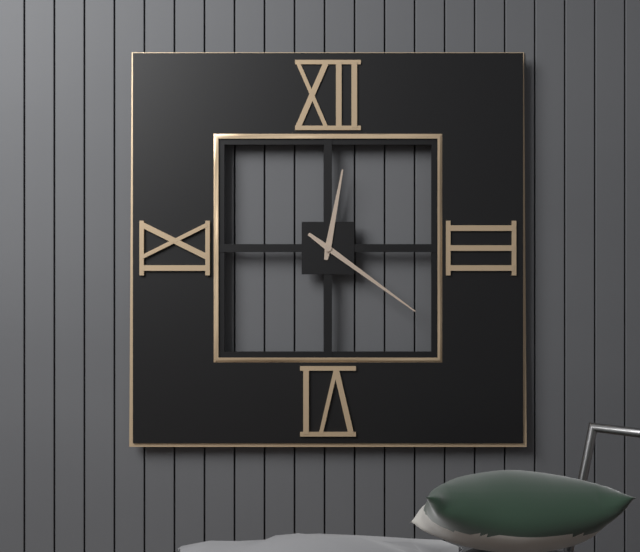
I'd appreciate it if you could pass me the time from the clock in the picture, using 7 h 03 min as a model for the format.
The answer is 12 h 21 min
